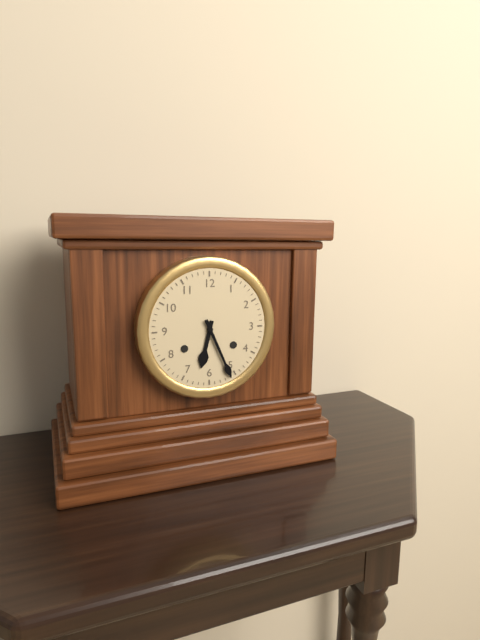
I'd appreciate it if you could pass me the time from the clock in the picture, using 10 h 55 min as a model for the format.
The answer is 6 h 26 min
